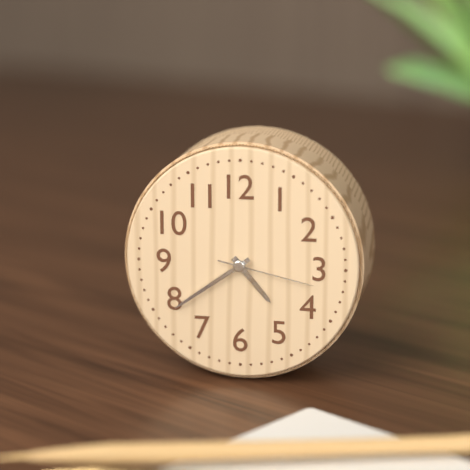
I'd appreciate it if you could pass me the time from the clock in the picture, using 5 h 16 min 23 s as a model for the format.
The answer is 4 h 39 min 17 s
